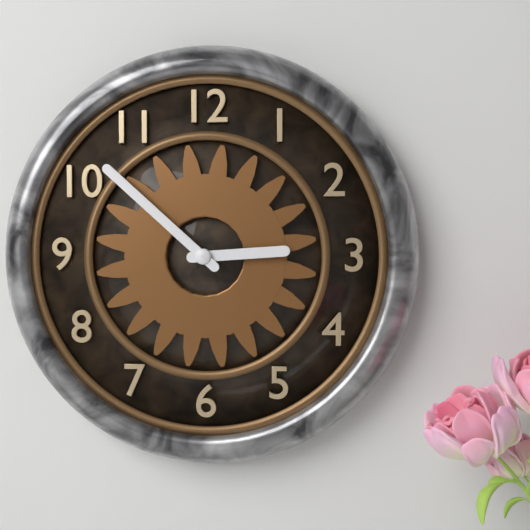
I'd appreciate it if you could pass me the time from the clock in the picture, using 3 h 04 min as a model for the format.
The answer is 2 h 52 min
